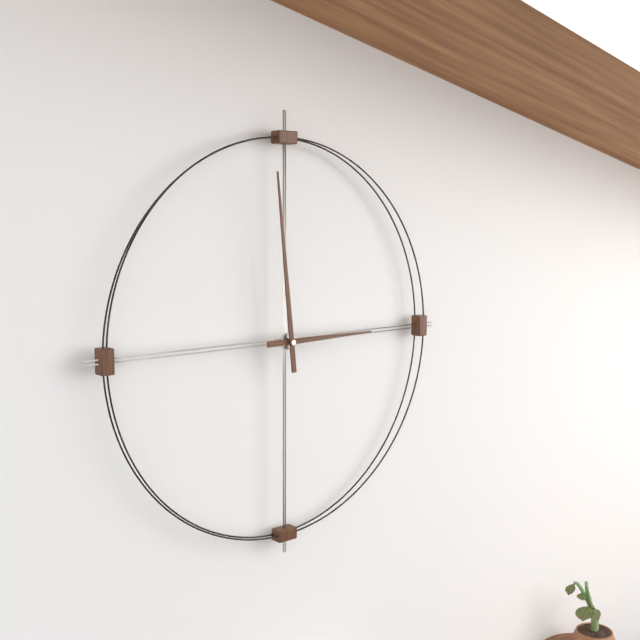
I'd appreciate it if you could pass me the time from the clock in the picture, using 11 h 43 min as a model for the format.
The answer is 2 h 59 min
